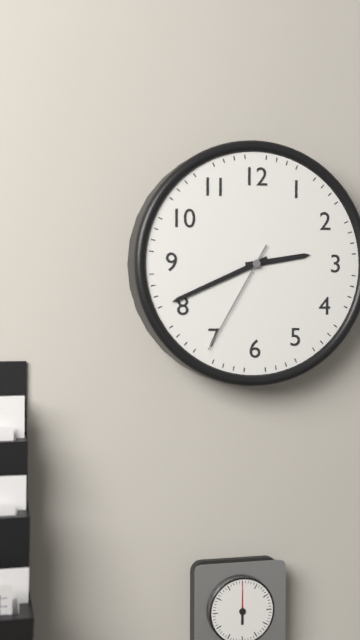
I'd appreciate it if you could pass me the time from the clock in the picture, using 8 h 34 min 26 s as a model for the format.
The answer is 2 h 41 min 35 s
